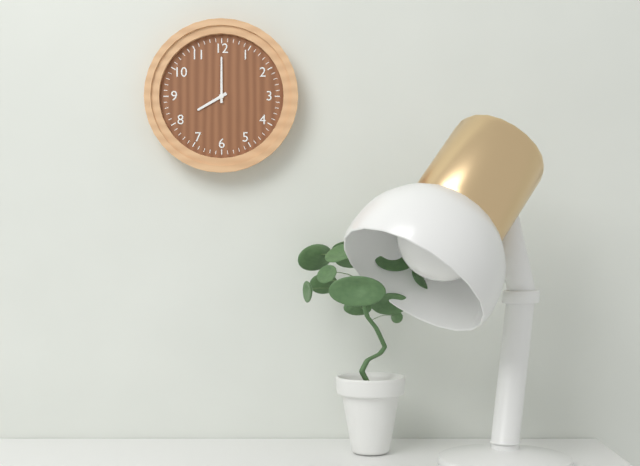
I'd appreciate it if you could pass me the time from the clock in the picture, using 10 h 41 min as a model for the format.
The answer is 8 h 00 min
